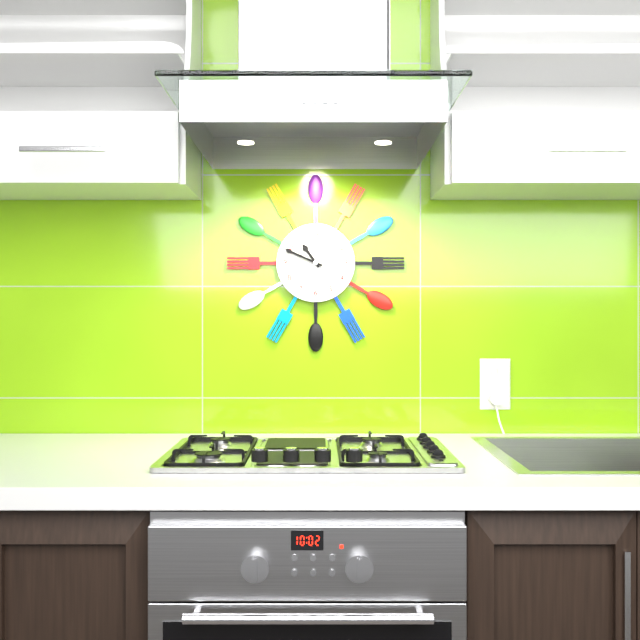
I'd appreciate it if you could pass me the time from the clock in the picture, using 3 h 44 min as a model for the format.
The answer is 10 h 49 min
